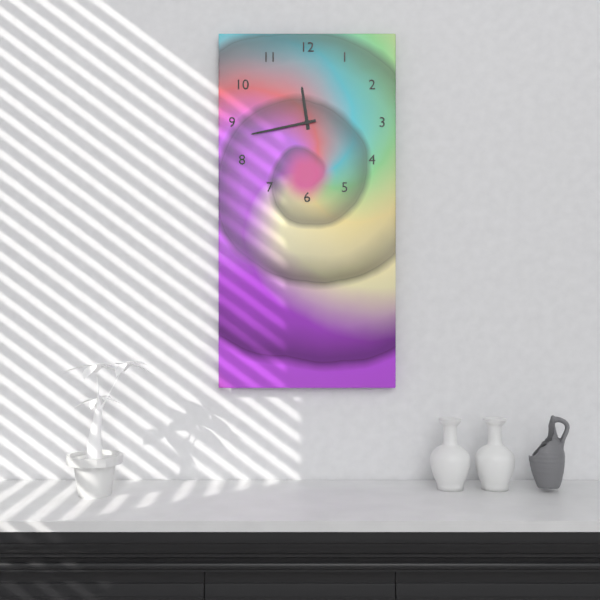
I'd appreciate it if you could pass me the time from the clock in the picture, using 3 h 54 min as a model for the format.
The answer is 11 h 43 min
